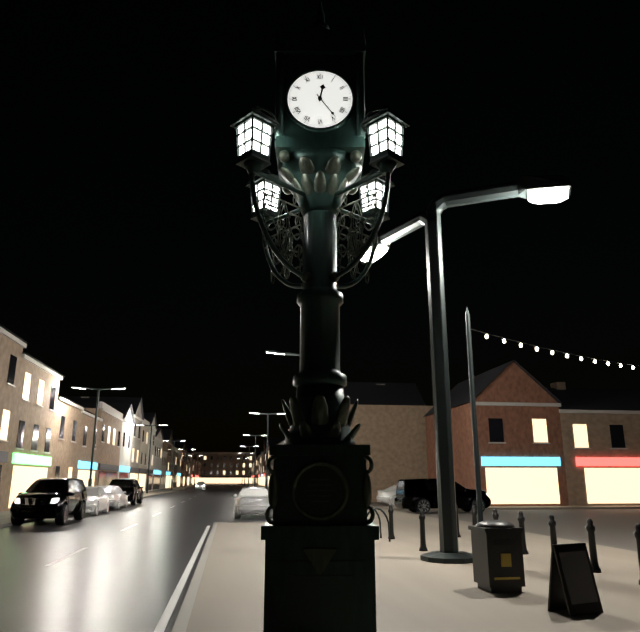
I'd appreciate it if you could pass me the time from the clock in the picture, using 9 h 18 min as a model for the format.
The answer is 12 h 24 min
